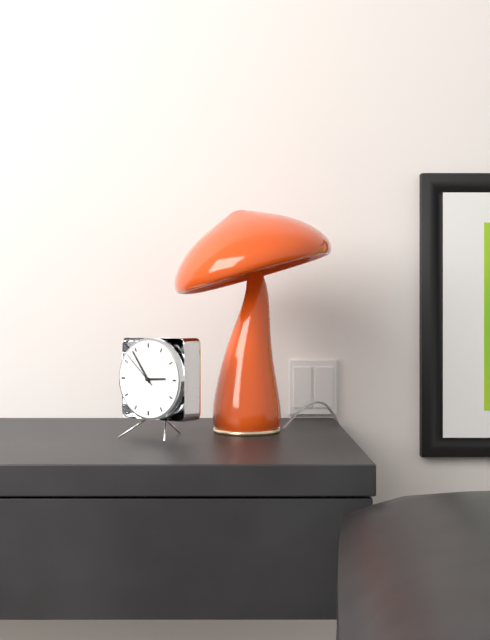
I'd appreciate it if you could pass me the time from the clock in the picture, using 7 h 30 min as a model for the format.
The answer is 2 h 54 min
